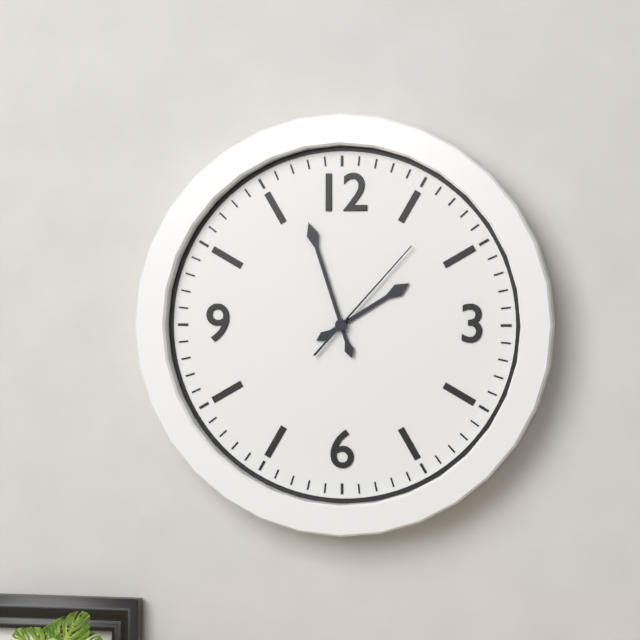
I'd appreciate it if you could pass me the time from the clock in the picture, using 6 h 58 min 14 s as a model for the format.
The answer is 1 h 57 min 07 s
